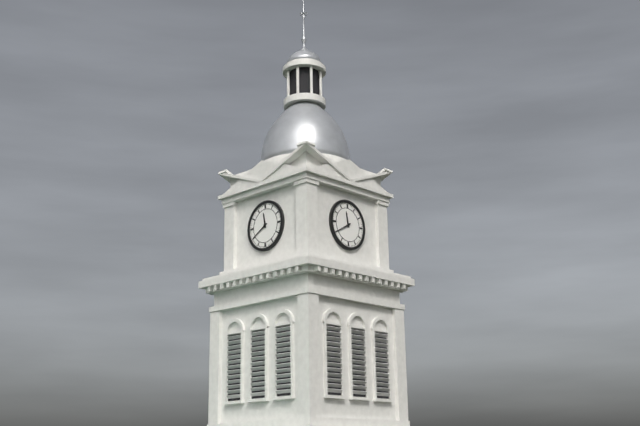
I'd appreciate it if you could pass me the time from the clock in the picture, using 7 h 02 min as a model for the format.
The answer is 11 h 40 min
